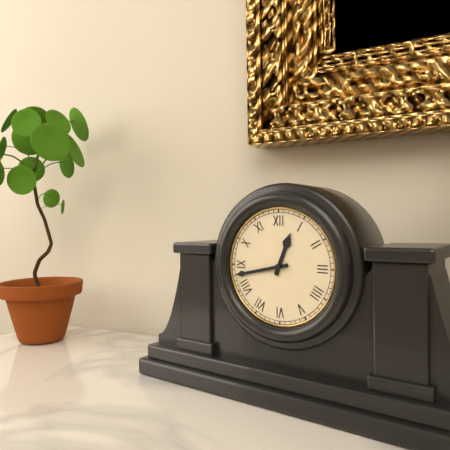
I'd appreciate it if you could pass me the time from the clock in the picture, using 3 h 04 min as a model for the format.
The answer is 12 h 43 min
